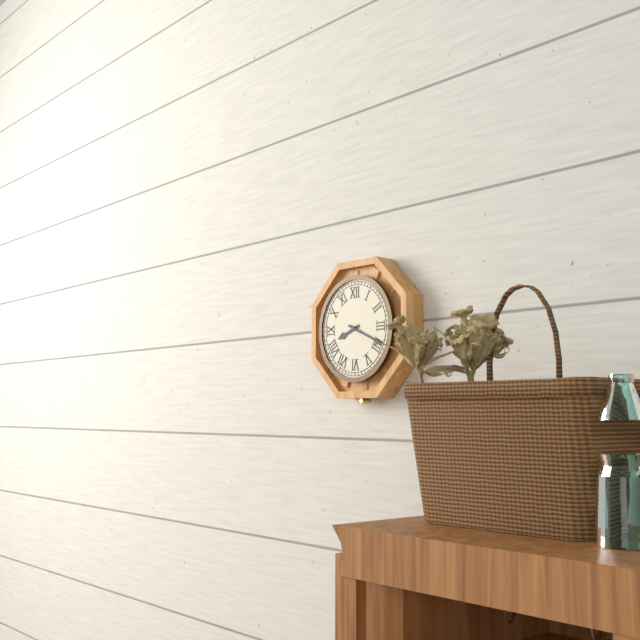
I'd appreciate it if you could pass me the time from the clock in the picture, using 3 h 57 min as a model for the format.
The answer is 8 h 19 min
